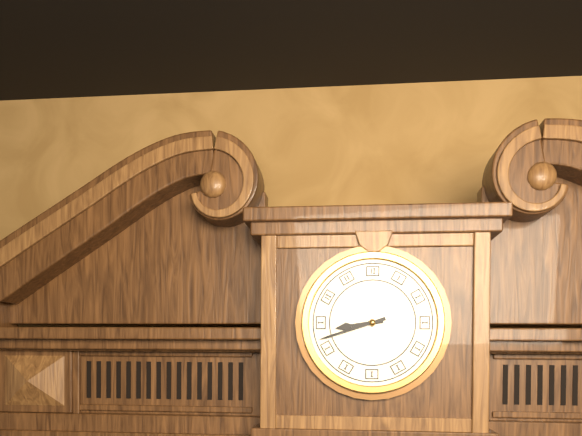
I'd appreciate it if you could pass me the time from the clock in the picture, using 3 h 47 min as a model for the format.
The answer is 8 h 42 min
